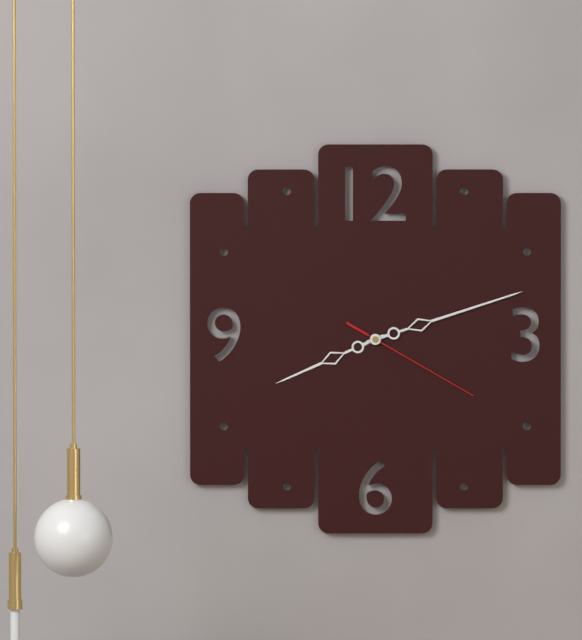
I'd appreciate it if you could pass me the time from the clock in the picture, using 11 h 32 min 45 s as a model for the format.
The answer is 8 h 12 min 20 s
